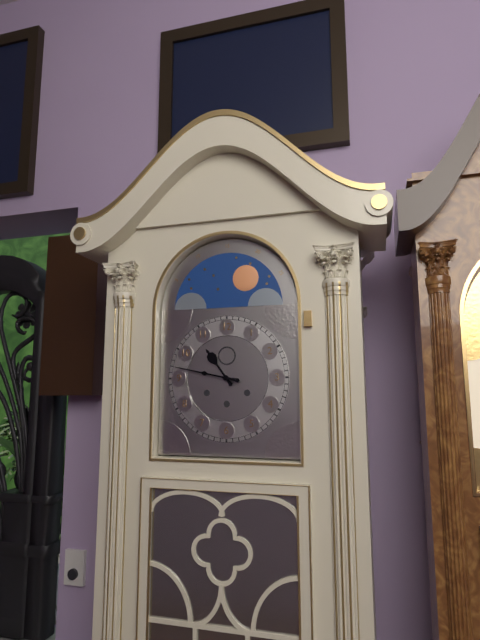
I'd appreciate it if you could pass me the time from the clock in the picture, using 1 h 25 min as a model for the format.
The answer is 10 h 47 min
